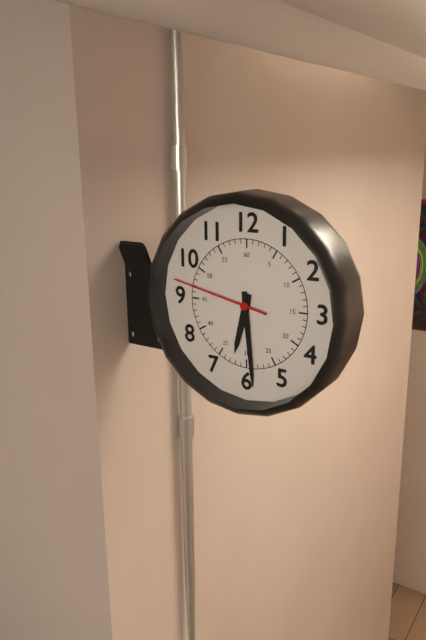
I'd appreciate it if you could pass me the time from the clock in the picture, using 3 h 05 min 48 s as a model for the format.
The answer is 6 h 29 min 47 s
